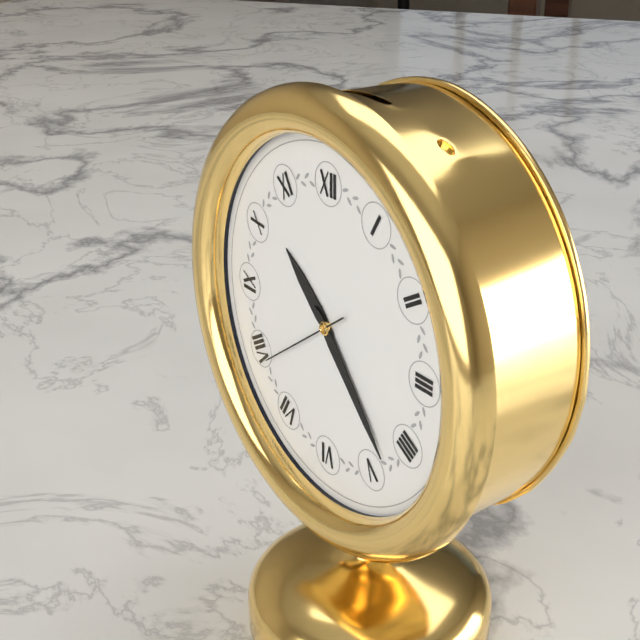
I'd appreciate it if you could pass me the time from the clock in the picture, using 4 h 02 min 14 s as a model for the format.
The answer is 10 h 23 min 39 s
